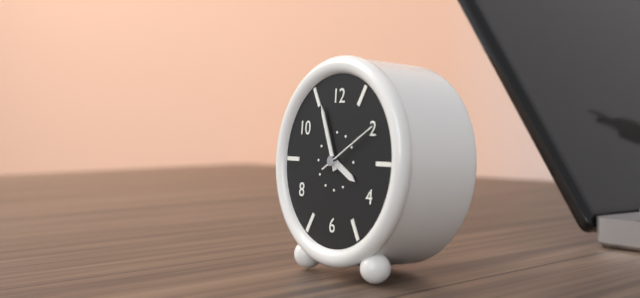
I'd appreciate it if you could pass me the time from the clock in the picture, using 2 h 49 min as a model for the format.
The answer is 3 h 56 min
